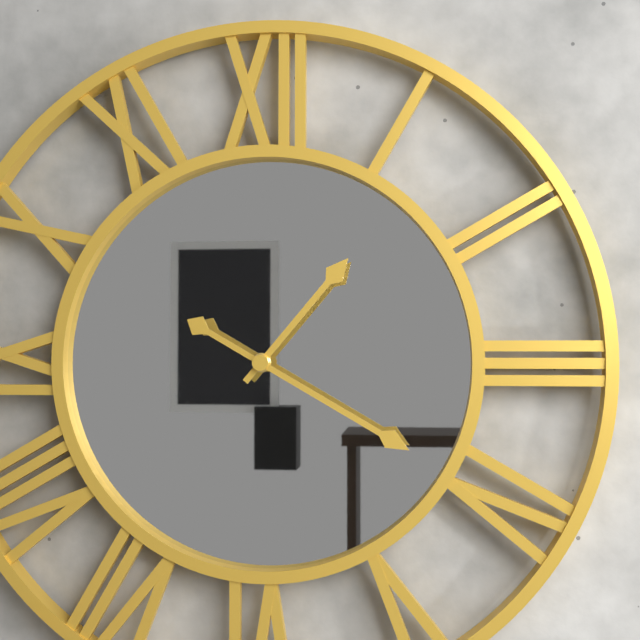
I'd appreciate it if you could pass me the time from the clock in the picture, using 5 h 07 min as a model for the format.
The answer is 1 h 20 min
